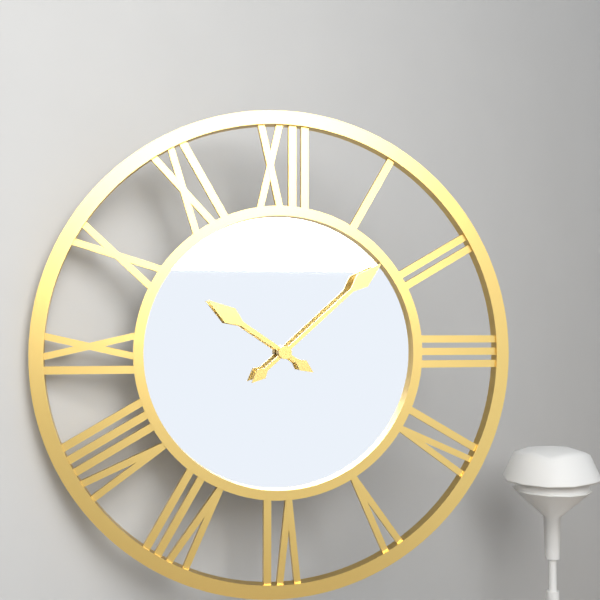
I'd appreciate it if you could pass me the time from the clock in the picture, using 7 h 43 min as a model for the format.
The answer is 10 h 08 min
